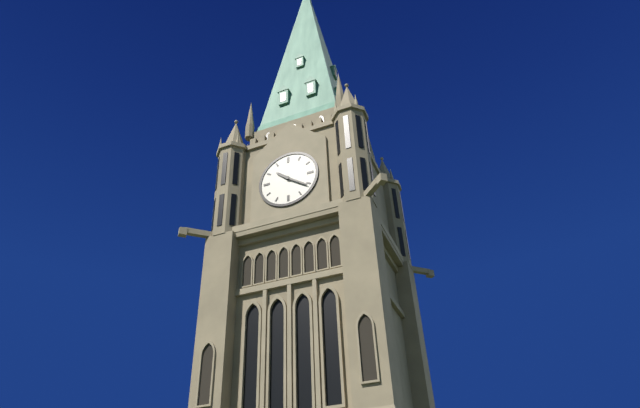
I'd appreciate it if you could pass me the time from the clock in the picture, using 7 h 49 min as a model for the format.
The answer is 10 h 21 min
